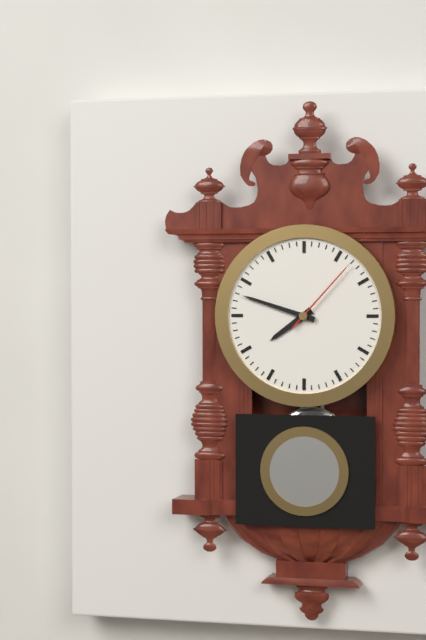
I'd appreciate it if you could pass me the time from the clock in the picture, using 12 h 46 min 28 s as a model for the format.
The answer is 7 h 48 min 07 s
